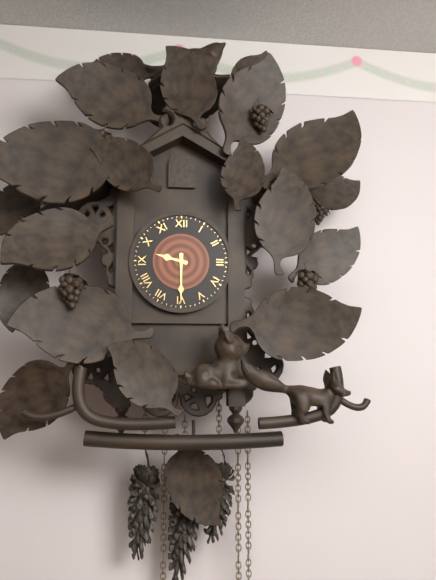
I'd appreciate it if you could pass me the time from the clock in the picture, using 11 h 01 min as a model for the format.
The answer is 9 h 30 min
